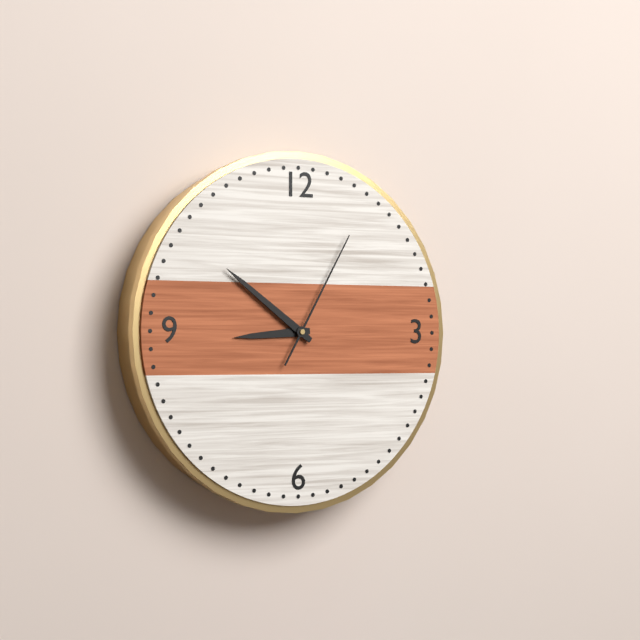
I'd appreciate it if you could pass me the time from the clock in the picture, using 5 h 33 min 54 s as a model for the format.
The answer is 8 h 51 min 05 s
